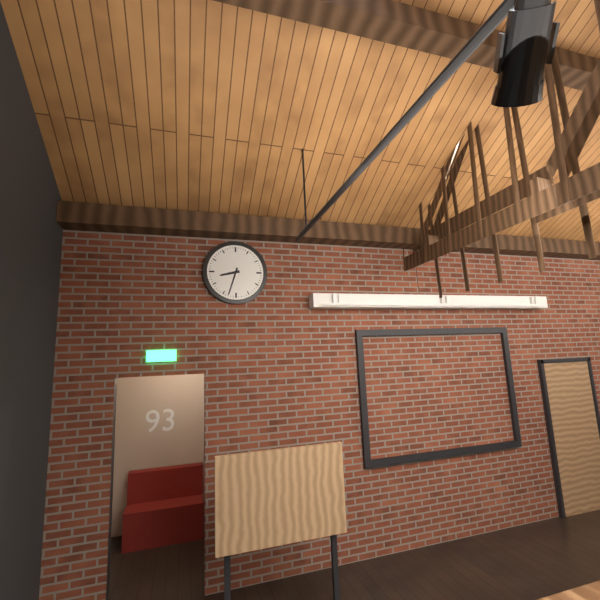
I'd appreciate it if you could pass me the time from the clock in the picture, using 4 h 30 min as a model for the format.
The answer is 8 h 33 min
